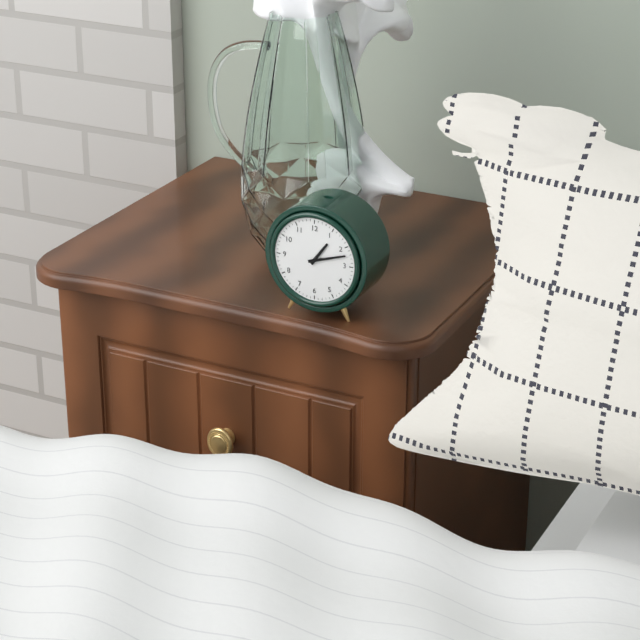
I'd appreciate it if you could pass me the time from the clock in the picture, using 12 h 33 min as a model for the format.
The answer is 1 h 12 min
